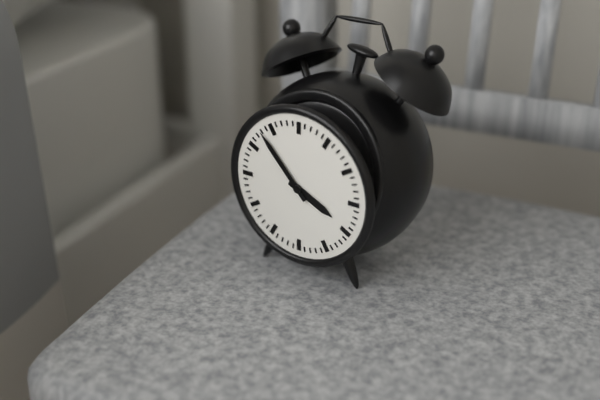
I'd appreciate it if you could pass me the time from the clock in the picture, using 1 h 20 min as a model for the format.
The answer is 3 h 53 min
